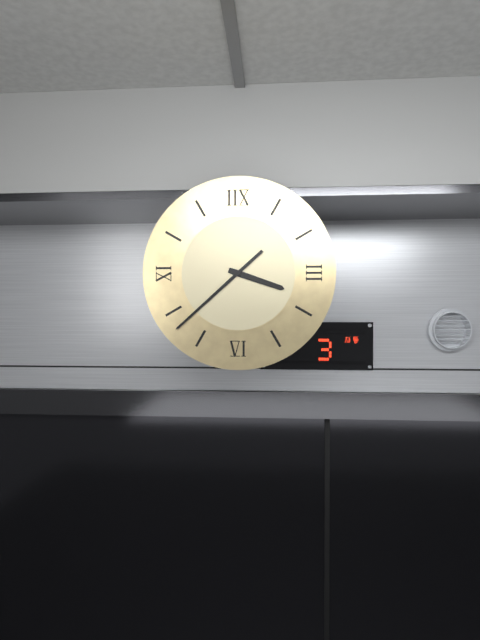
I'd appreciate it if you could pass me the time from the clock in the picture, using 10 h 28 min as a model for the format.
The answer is 3 h 38 min
